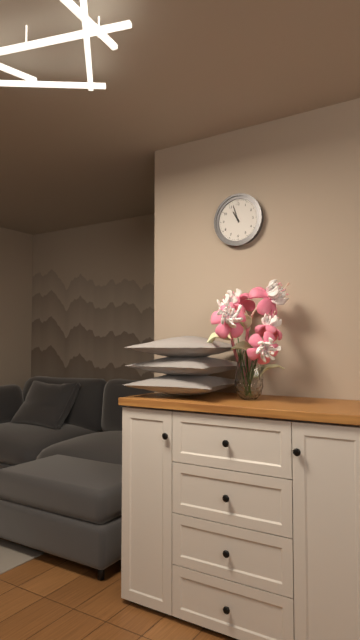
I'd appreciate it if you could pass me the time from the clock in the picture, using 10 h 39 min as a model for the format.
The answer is 10 h 57 min
